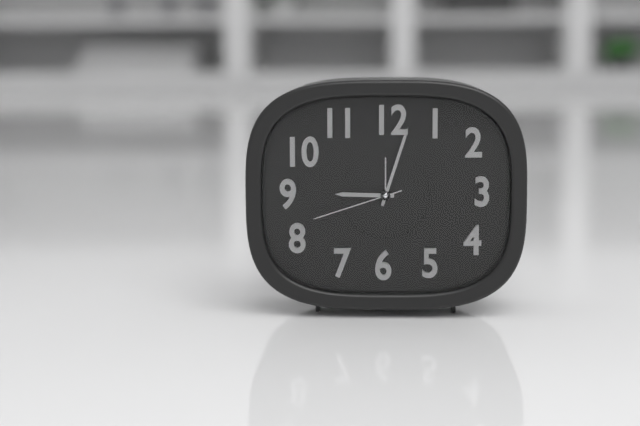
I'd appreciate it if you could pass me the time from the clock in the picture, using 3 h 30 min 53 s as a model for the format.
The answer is 9 h 03 min 42 s
